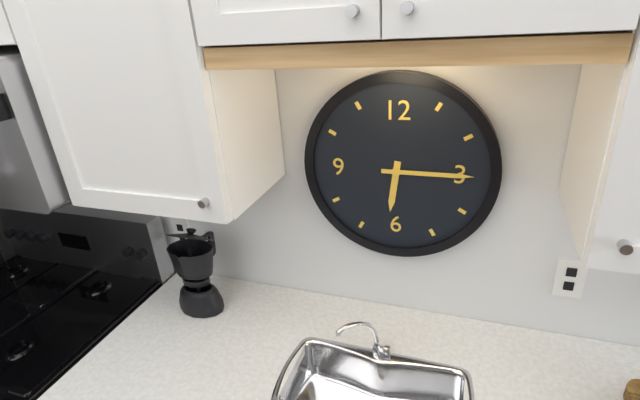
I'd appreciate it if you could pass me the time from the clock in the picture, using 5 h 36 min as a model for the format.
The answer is 6 h 15 min
